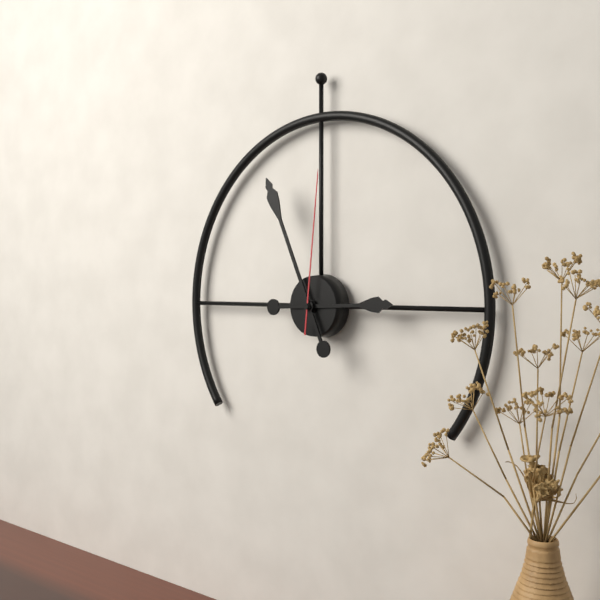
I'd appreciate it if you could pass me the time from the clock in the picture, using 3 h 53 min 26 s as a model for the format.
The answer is 2 h 56 min 01 s
